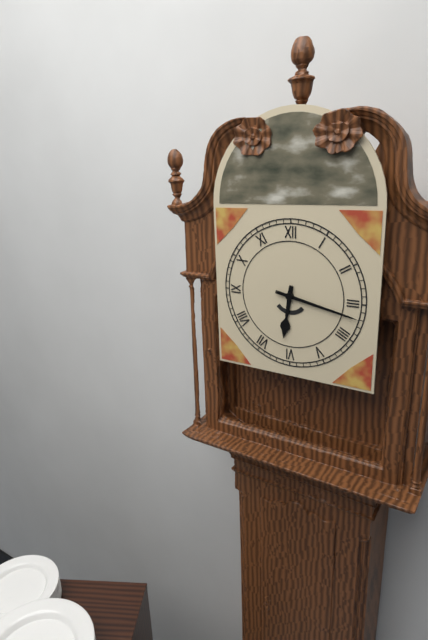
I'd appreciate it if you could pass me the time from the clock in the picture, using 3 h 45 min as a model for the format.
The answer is 6 h 17 min
